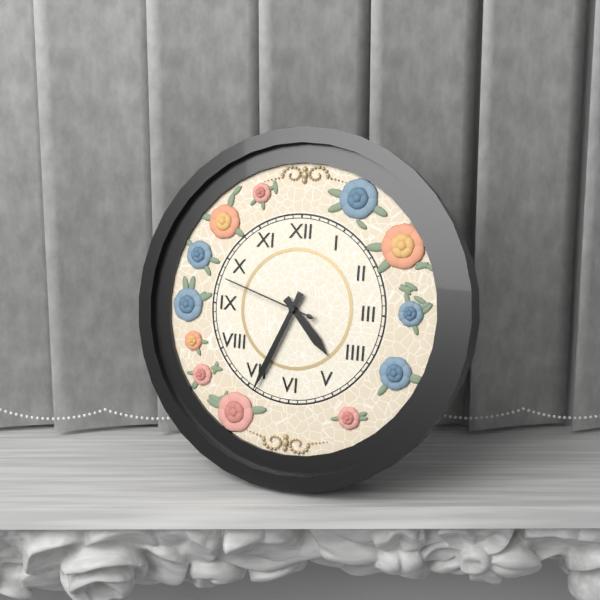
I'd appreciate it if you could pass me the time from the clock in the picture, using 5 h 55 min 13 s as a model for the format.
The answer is 4 h 34 min 48 s
